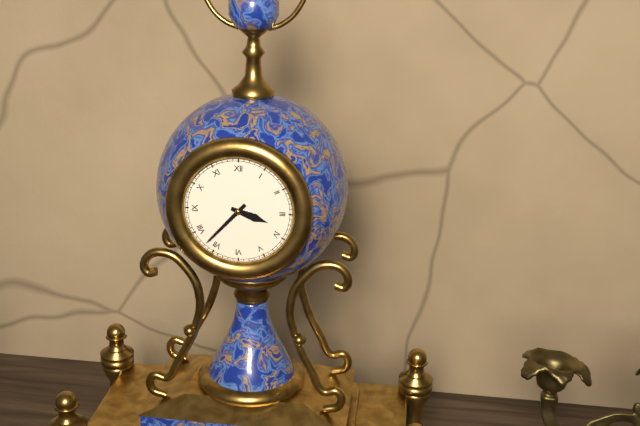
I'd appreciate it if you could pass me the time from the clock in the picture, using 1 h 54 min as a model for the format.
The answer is 3 h 37 min
